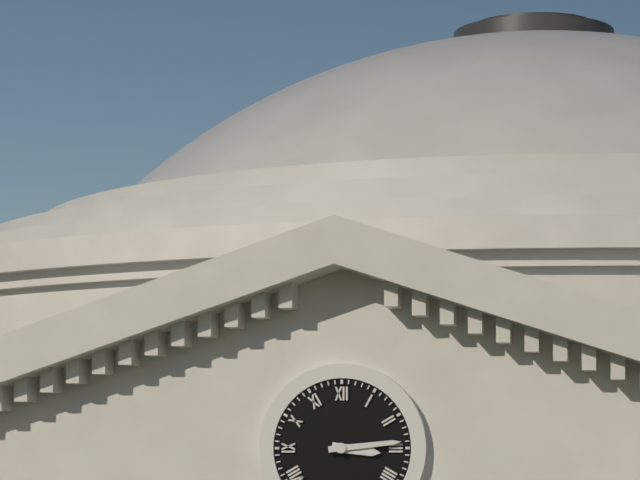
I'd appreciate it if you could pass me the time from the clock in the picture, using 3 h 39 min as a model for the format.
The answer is 3 h 14 min
